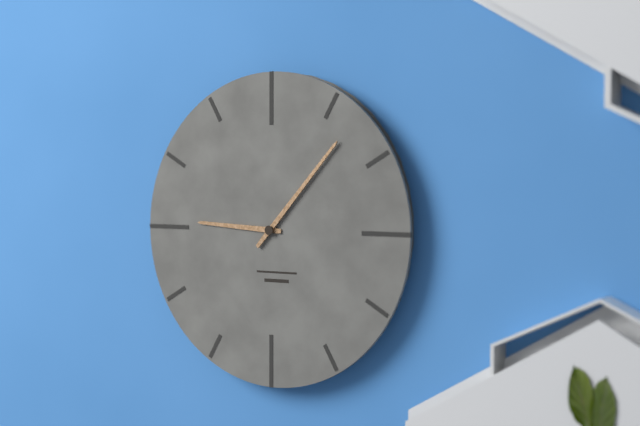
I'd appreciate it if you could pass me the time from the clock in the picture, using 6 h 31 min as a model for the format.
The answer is 9 h 07 min
